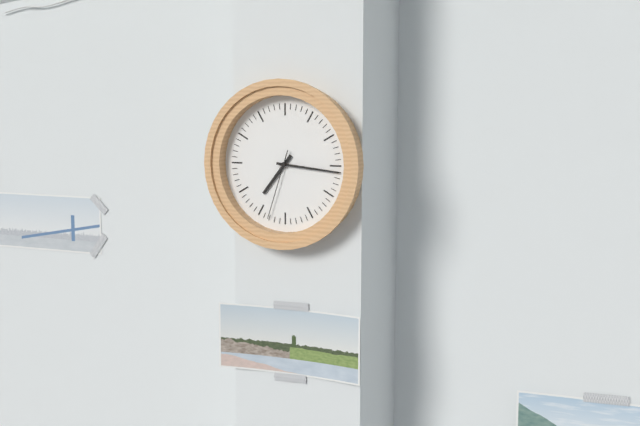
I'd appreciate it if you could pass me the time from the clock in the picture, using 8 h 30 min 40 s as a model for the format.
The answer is 7 h 16 min 33 s
